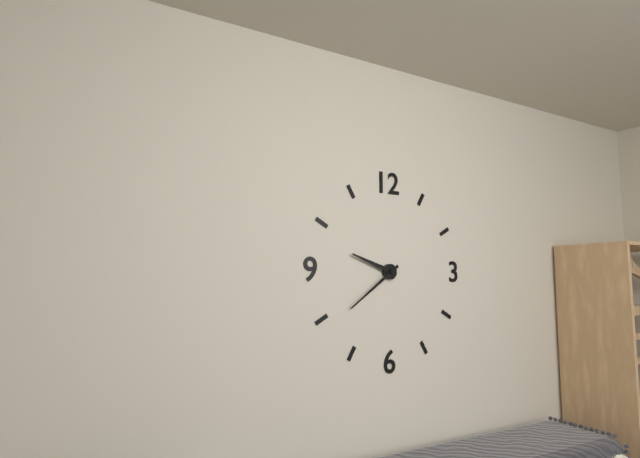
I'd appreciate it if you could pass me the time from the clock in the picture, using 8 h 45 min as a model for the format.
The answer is 9 h 39 min
